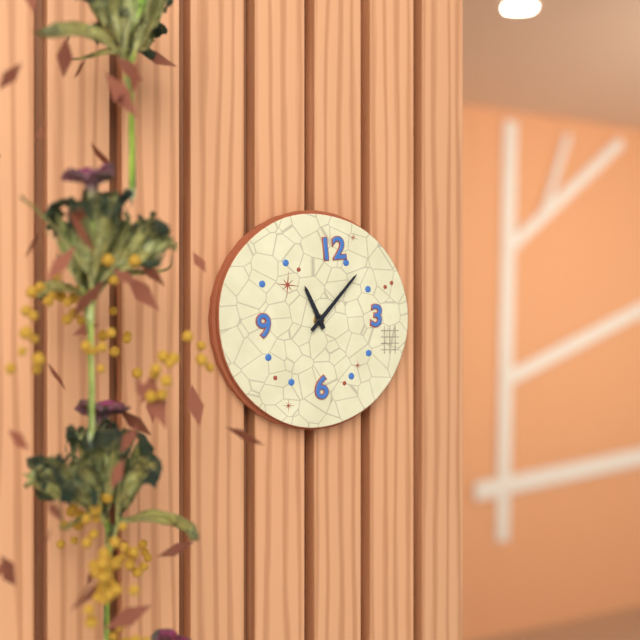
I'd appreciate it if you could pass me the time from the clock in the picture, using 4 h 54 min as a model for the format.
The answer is 11 h 07 min
